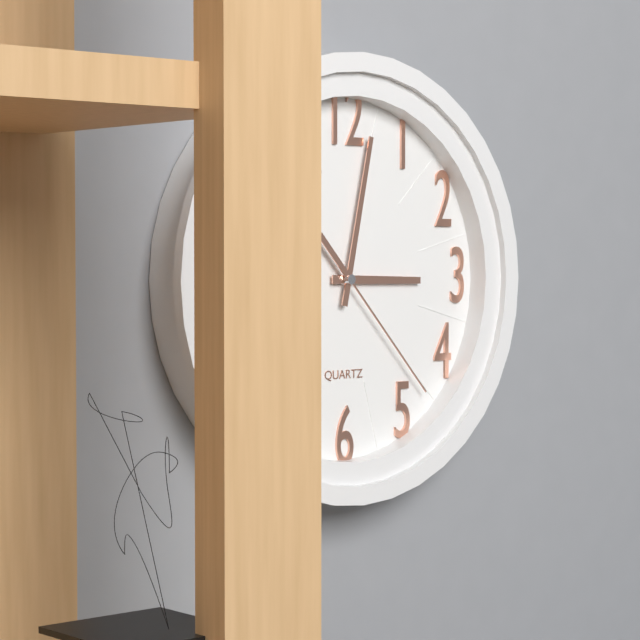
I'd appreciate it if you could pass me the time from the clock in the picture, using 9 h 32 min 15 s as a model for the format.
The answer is 3 h 02 min 23 s
